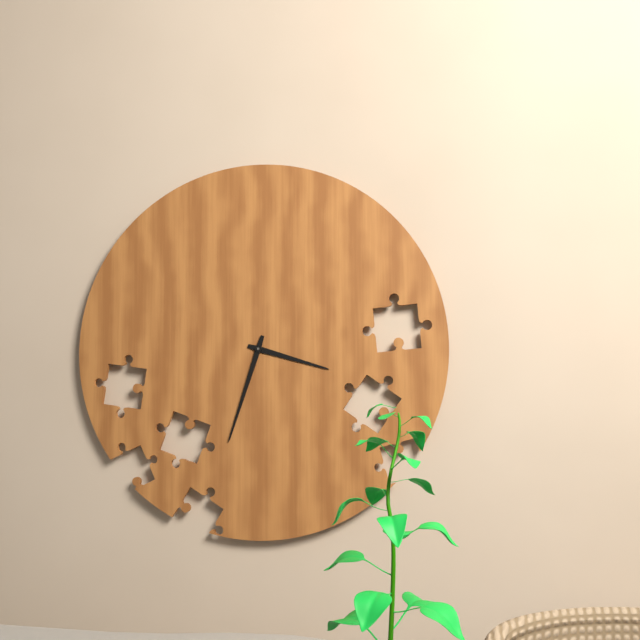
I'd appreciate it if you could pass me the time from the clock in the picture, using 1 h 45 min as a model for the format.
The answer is 3 h 33 min
